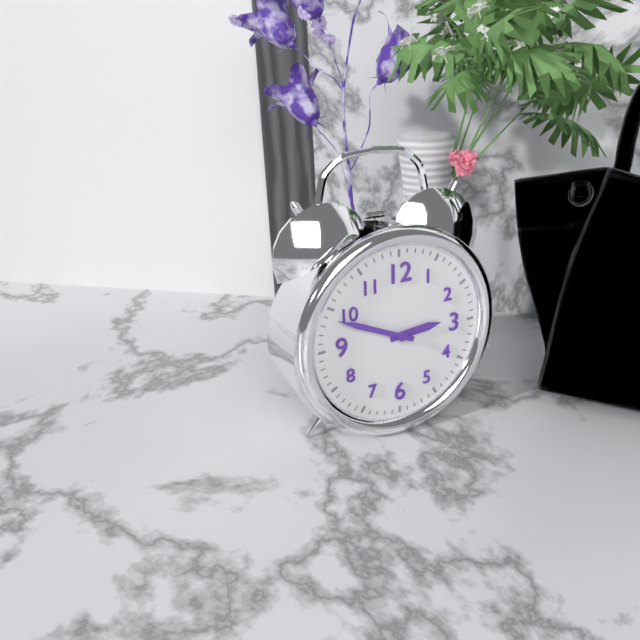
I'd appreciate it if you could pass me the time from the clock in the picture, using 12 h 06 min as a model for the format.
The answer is 2 h 49 min
